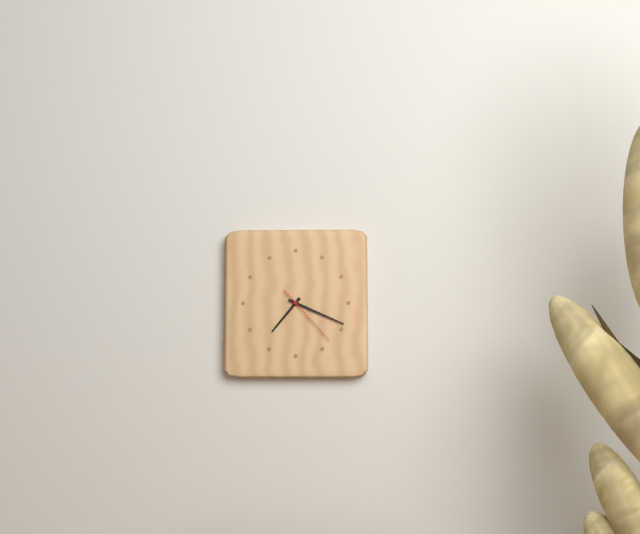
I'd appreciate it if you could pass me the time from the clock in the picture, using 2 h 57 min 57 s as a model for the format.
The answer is 7 h 19 min 23 s
